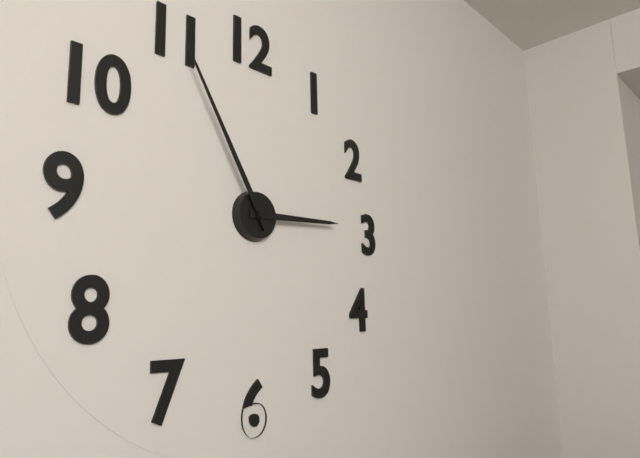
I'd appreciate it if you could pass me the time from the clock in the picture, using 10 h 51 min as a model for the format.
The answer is 2 h 55 min
